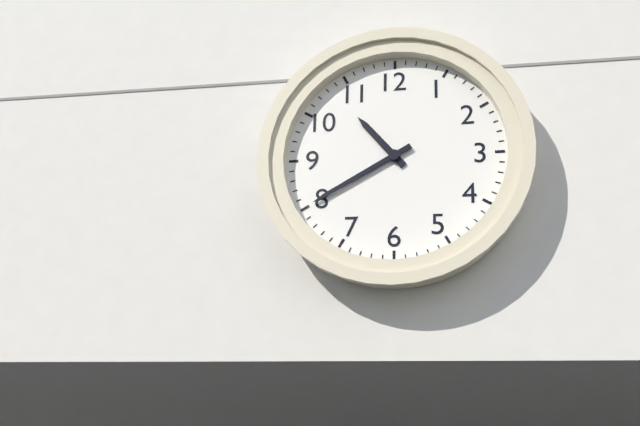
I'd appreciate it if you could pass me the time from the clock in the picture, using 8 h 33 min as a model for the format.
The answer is 10 h 40 min
